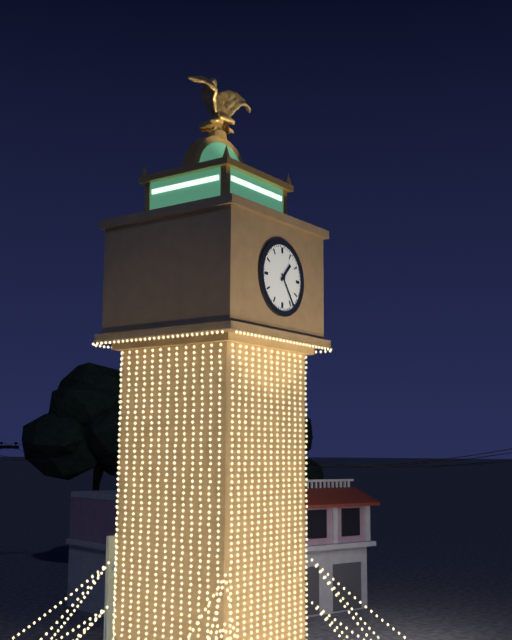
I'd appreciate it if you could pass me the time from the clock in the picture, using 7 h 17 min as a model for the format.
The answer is 1 h 24 min
